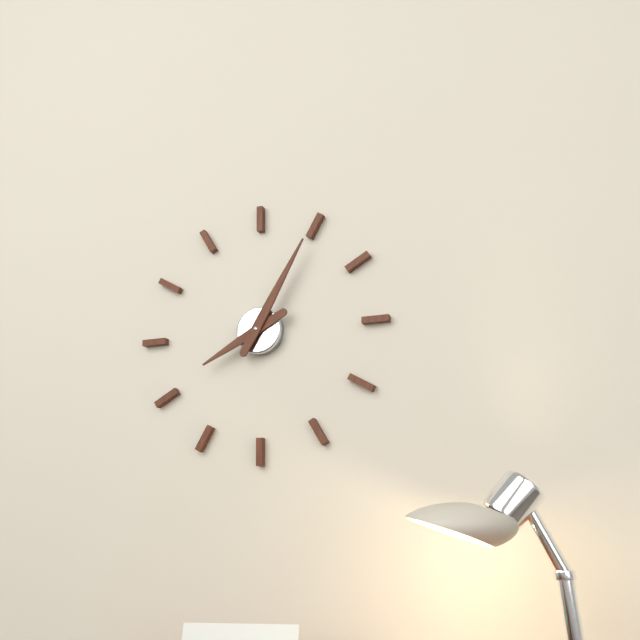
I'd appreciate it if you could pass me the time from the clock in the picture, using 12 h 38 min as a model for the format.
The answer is 8 h 05 min
